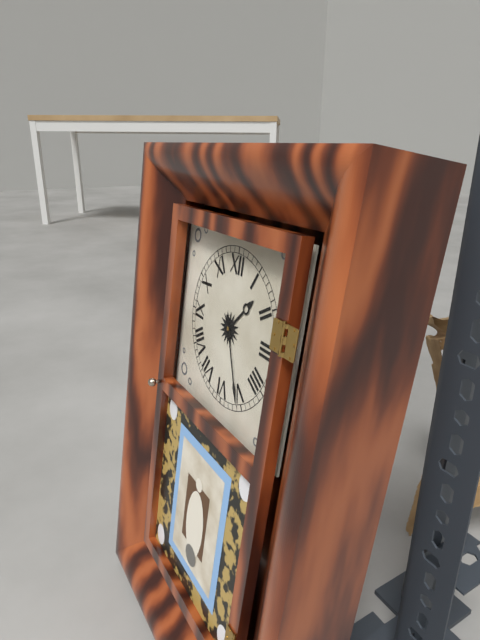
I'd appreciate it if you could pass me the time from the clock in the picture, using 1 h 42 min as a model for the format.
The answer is 1 h 26 min
